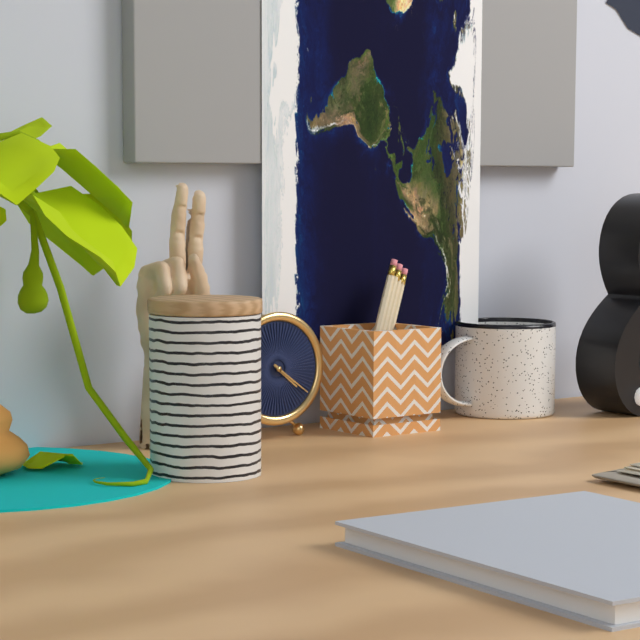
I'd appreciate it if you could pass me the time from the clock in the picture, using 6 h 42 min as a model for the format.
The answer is 4 h 21 min
